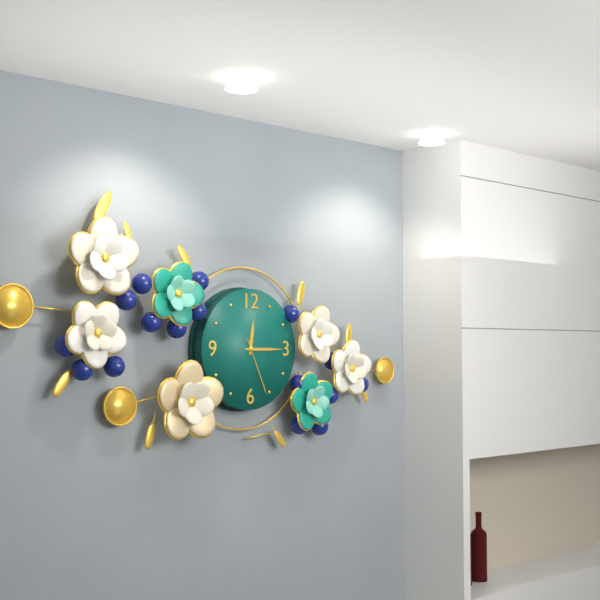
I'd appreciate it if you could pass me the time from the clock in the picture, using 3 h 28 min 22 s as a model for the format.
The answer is 12 h 15 min 26 s
